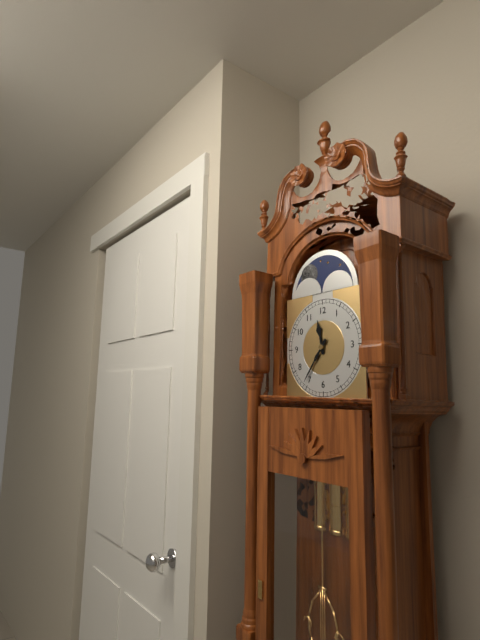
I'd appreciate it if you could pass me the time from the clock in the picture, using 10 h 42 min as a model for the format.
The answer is 11 h 36 min
